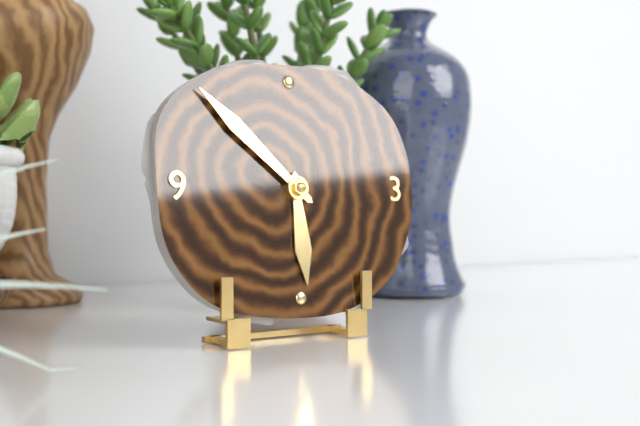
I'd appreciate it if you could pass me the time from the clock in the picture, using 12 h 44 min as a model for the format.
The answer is 5 h 52 min
